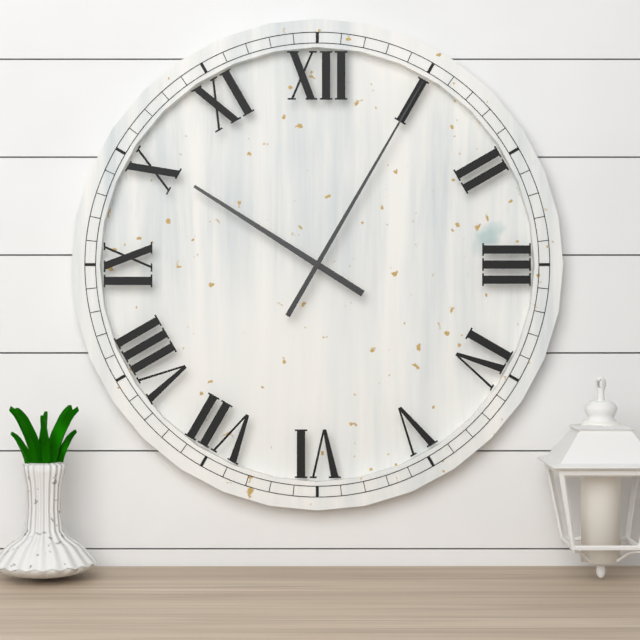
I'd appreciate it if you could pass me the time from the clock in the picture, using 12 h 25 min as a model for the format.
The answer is 10 h 05 min
